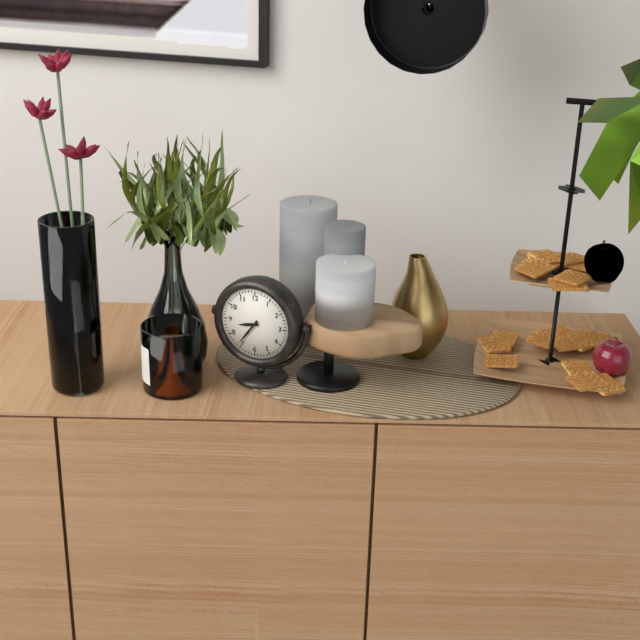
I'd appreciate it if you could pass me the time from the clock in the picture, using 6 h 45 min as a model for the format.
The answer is 8 h 36 min
